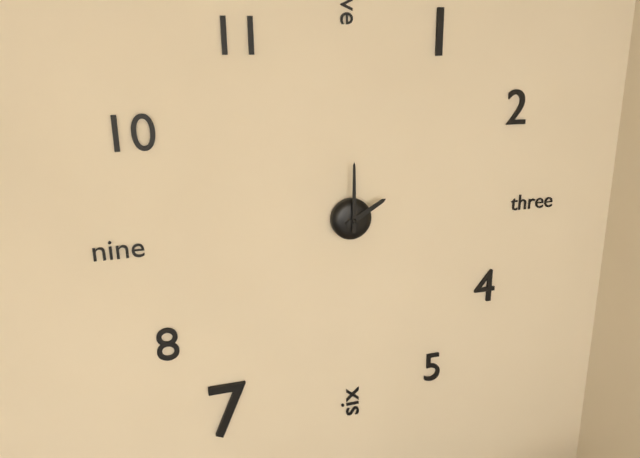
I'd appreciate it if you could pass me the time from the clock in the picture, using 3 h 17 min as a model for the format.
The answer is 2 h 00 min
